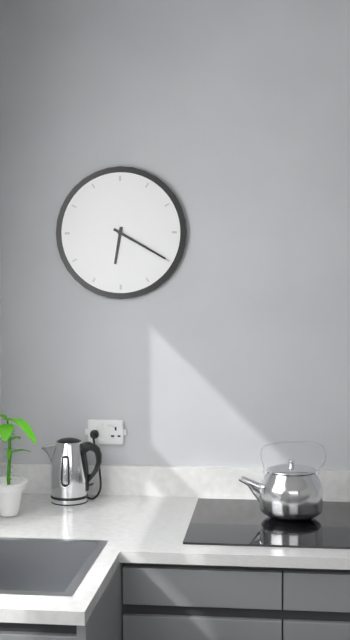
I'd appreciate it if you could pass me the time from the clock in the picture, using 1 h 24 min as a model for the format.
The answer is 6 h 20 min
